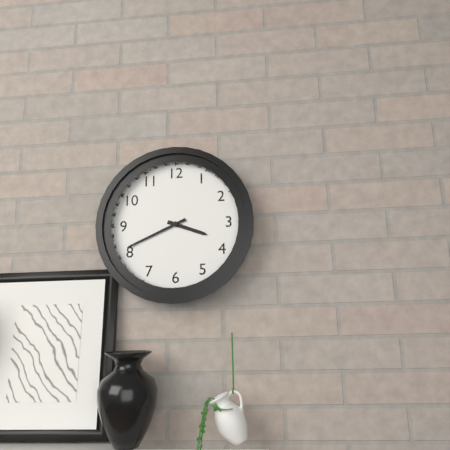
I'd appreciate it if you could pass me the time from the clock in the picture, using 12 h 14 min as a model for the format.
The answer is 3 h 41 min
